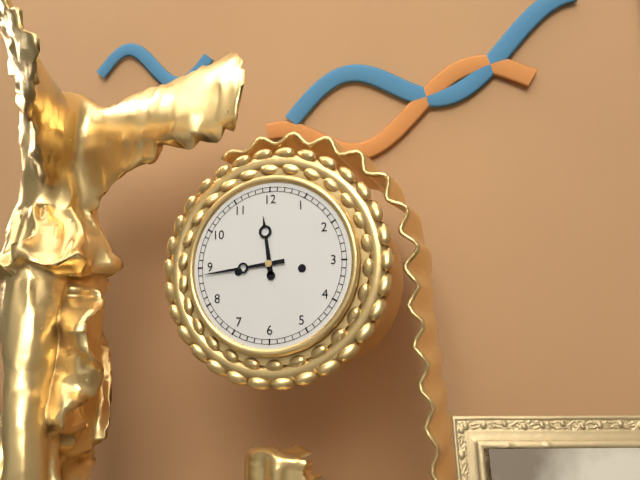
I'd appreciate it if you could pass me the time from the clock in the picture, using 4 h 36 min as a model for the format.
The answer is 11 h 44 min
